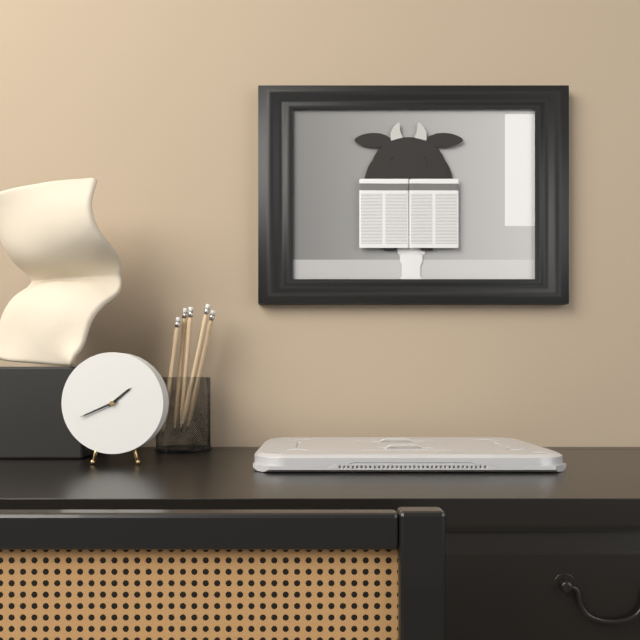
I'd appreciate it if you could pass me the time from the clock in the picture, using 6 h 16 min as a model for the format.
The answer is 1 h 41 min
